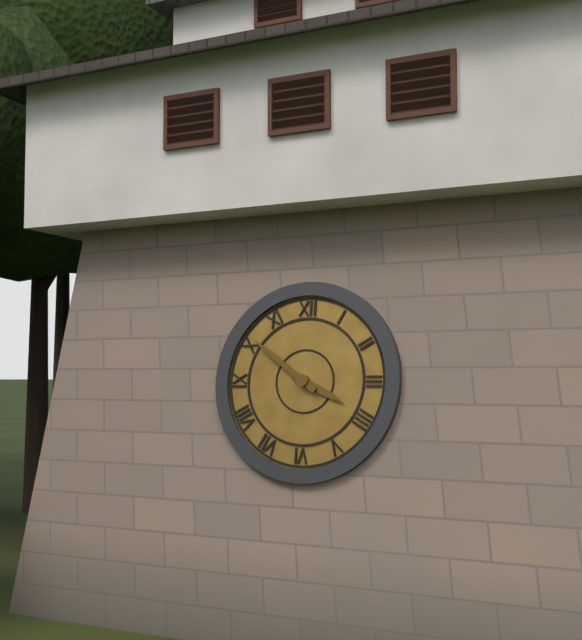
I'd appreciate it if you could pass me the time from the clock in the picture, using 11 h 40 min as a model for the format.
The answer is 3 h 51 min
